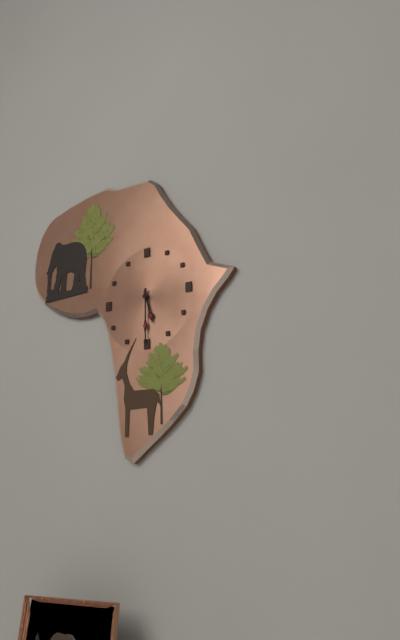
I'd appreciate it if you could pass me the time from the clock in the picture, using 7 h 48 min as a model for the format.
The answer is 5 h 30 min
